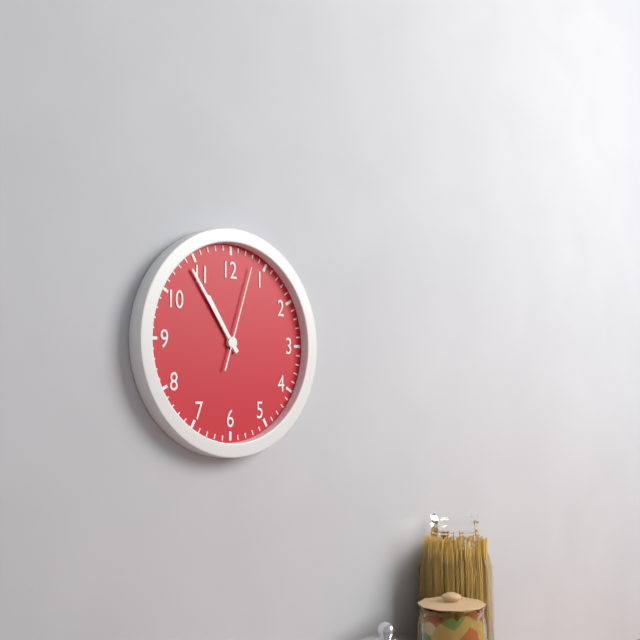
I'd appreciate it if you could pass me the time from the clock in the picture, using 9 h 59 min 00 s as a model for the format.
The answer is 10 h 54 min 03 s
